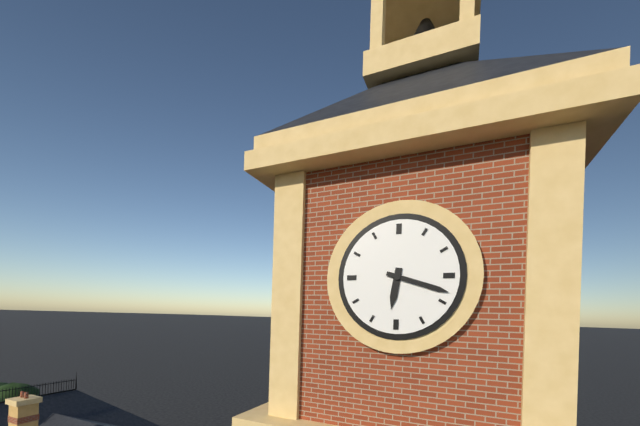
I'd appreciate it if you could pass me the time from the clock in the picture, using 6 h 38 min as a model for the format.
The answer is 6 h 18 min
